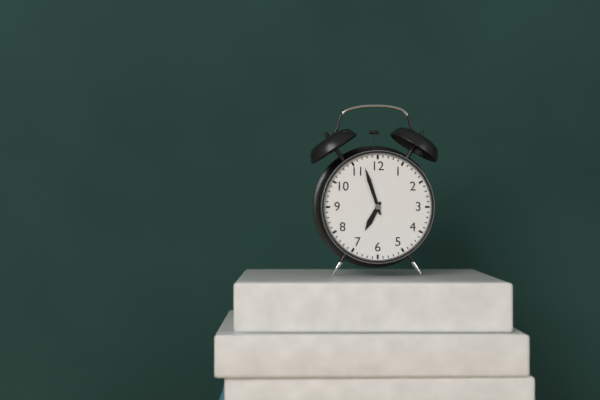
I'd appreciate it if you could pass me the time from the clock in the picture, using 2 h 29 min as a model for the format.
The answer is 6 h 57 min
